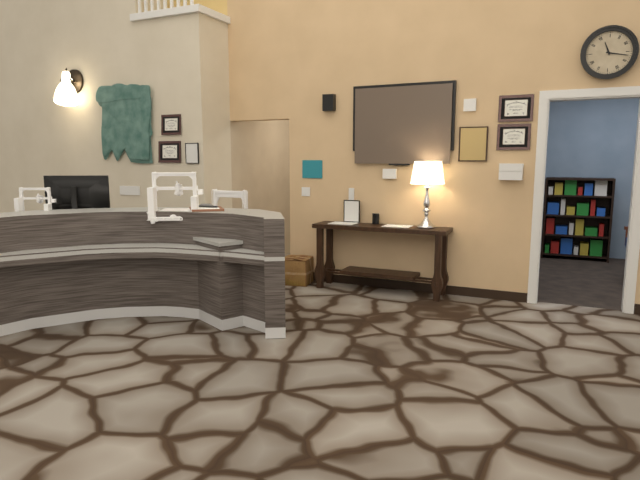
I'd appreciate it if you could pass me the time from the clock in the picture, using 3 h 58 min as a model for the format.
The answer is 11 h 17 min
